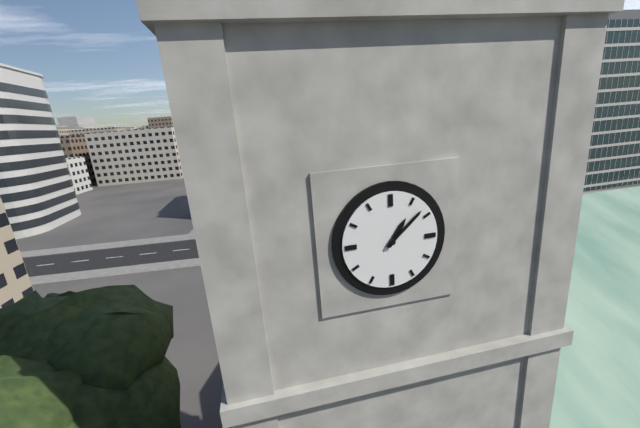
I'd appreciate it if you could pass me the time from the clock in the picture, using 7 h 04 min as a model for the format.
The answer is 1 h 08 min
